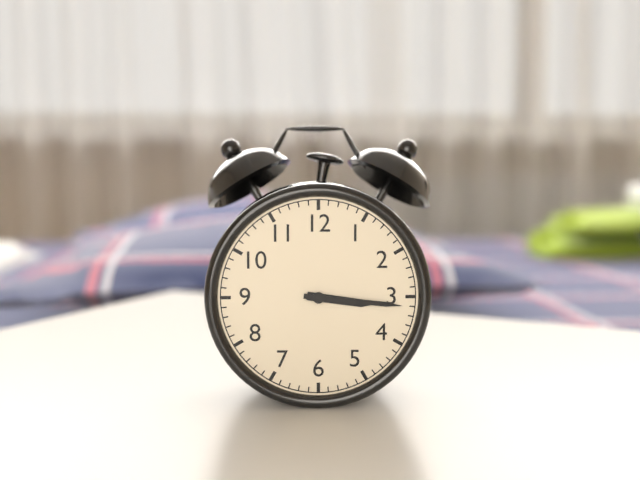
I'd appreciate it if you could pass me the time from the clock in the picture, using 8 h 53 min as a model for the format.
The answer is 3 h 16 min
